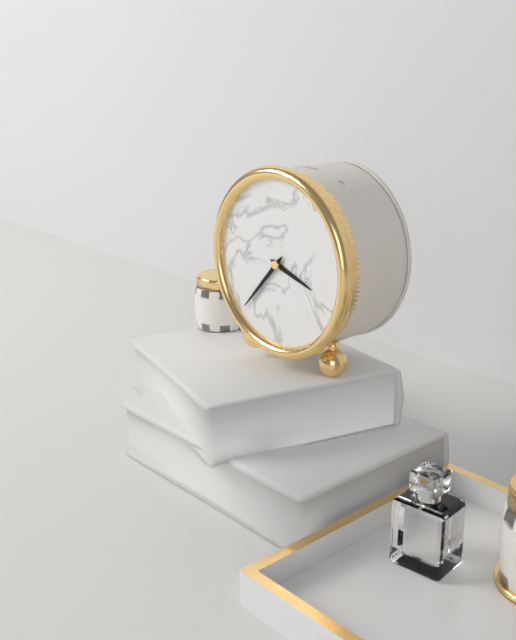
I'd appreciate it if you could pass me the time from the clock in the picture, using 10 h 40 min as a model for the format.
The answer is 3 h 37 min
